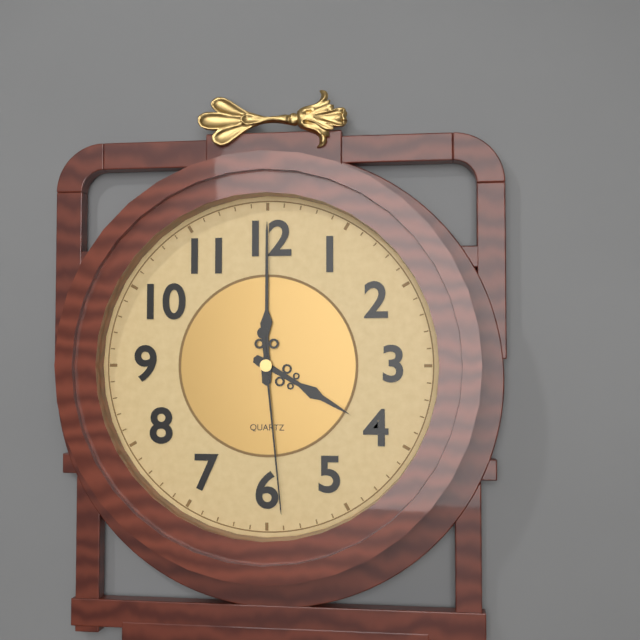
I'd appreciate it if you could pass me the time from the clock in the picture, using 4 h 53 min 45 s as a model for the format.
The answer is 4 h 00 min 29 s
